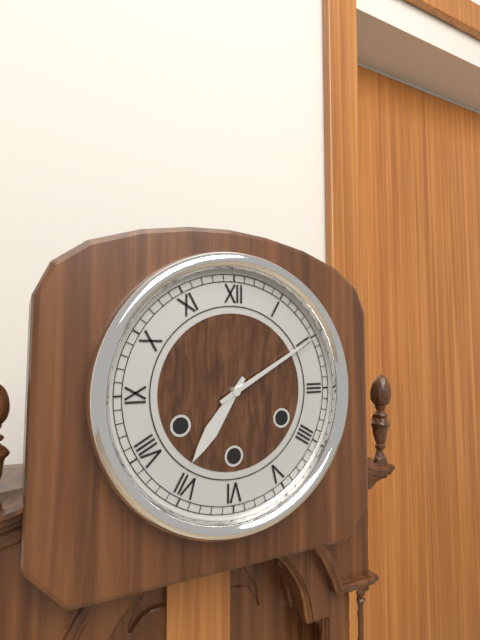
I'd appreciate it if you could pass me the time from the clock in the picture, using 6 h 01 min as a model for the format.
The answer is 7 h 10 min
